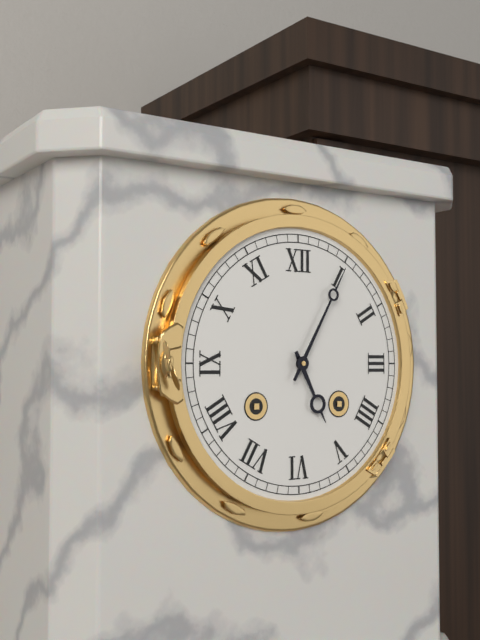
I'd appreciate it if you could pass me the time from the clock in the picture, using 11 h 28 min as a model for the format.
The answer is 5 h 05 min
